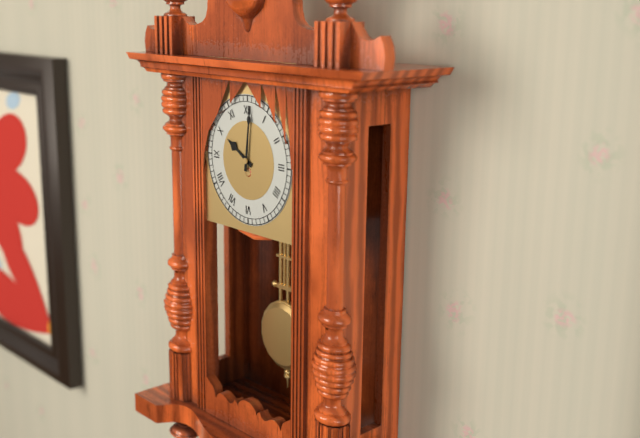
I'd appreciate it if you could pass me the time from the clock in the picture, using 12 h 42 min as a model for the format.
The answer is 10 h 01 min
